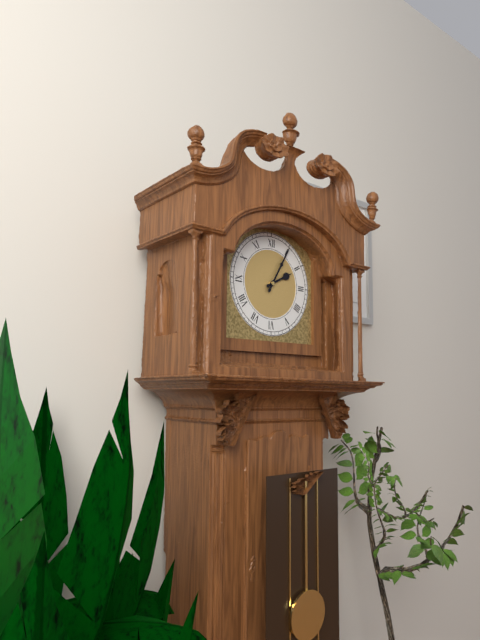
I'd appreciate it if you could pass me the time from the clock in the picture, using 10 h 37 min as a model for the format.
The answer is 2 h 05 min
